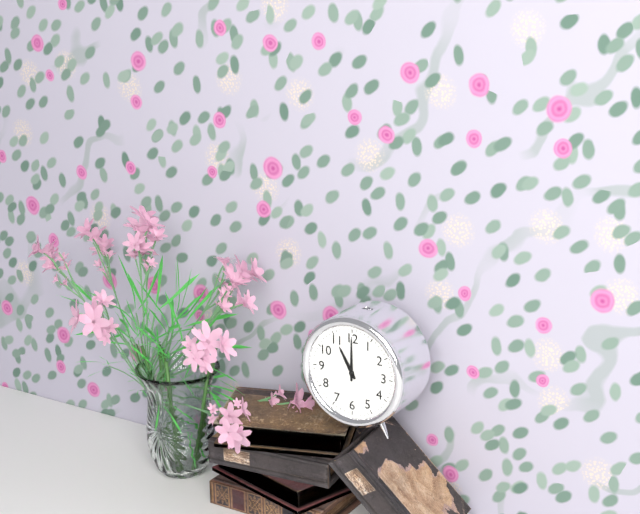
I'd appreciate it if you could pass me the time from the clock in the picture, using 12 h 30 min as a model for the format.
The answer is 11 h 00 min
